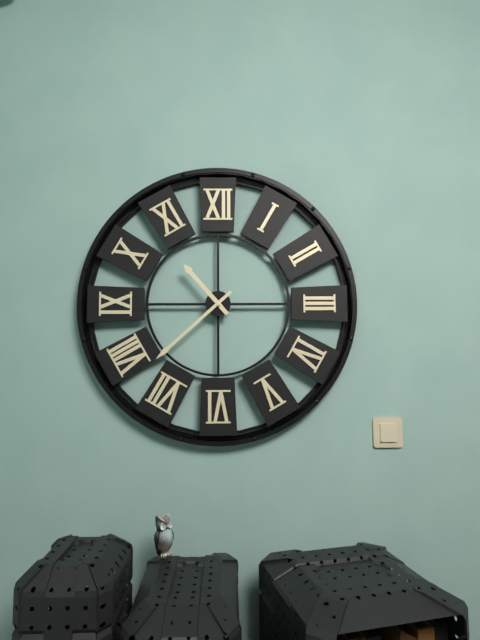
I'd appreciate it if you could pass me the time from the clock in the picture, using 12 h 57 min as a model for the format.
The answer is 10 h 38 min
